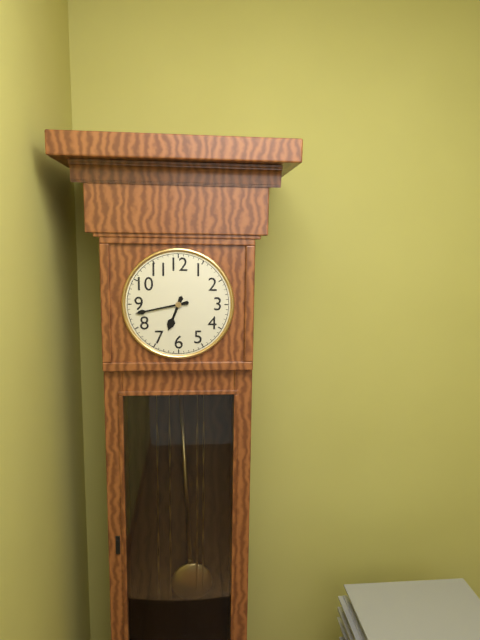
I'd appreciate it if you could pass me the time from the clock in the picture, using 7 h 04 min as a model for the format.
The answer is 6 h 43 min
